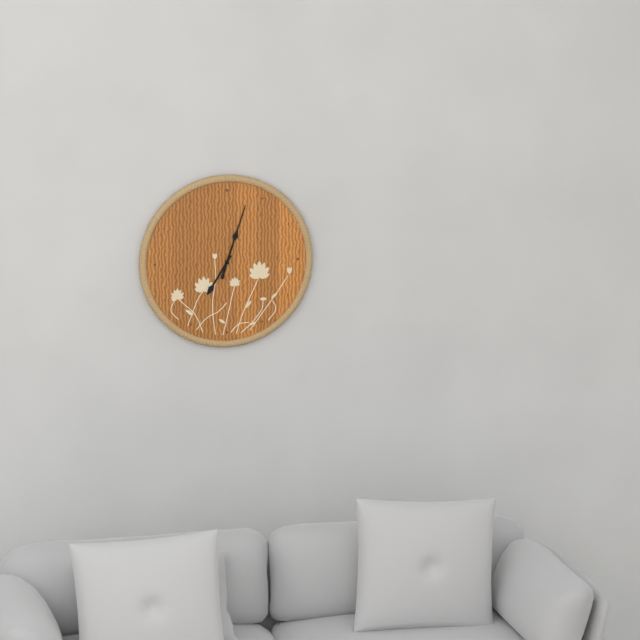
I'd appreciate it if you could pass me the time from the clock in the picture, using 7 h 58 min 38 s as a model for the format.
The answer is 7 h 03 min 03 s
